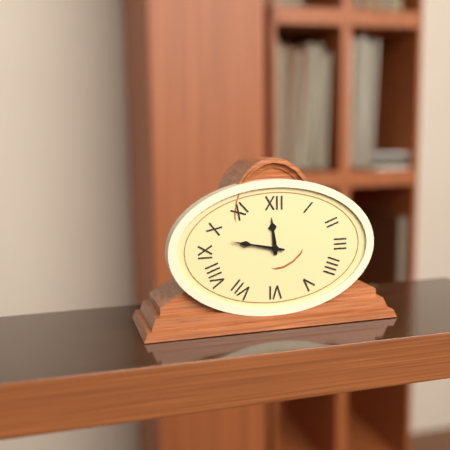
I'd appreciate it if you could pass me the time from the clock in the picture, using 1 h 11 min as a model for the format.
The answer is 11 h 47 min
